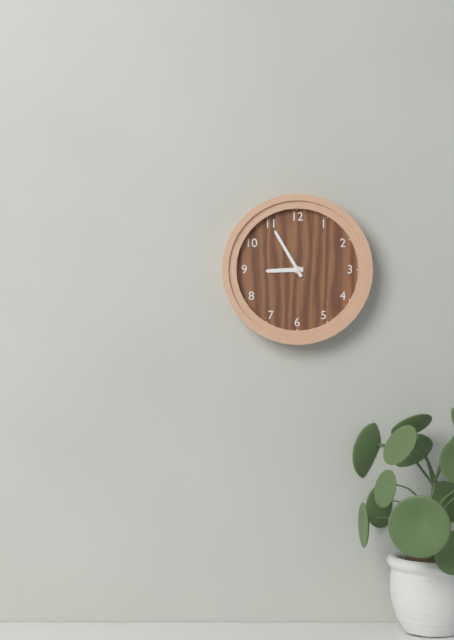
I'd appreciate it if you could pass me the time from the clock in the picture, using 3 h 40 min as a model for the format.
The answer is 8 h 55 min
